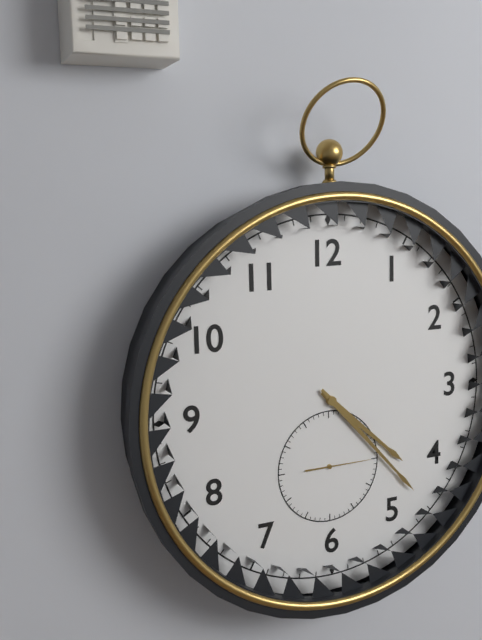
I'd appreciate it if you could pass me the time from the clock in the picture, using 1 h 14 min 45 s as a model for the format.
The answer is 4 h 23 min 15 s
